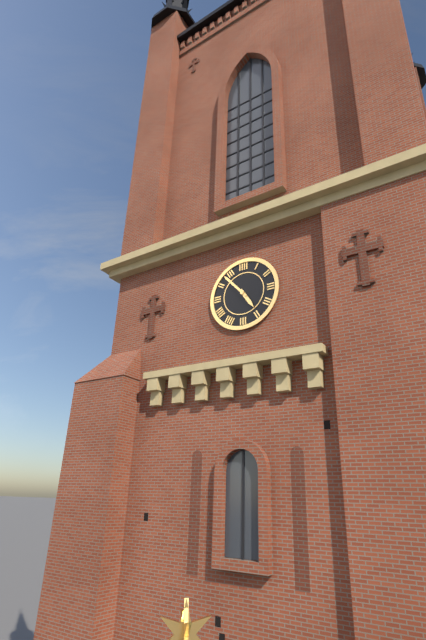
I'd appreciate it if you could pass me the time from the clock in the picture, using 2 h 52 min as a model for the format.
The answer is 4 h 53 min
